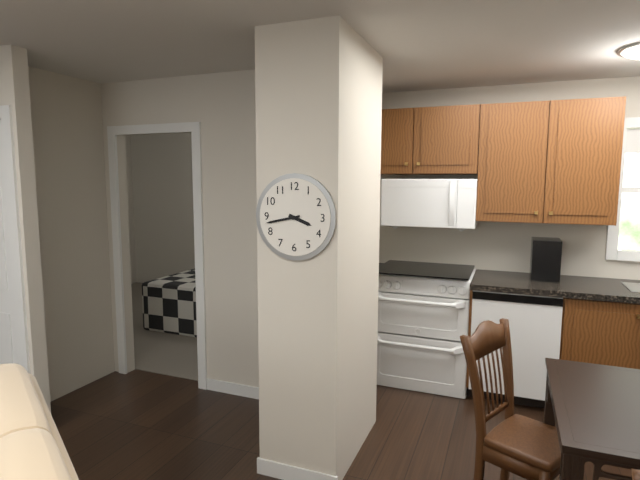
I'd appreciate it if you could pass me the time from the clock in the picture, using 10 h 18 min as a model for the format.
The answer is 3 h 43 min
